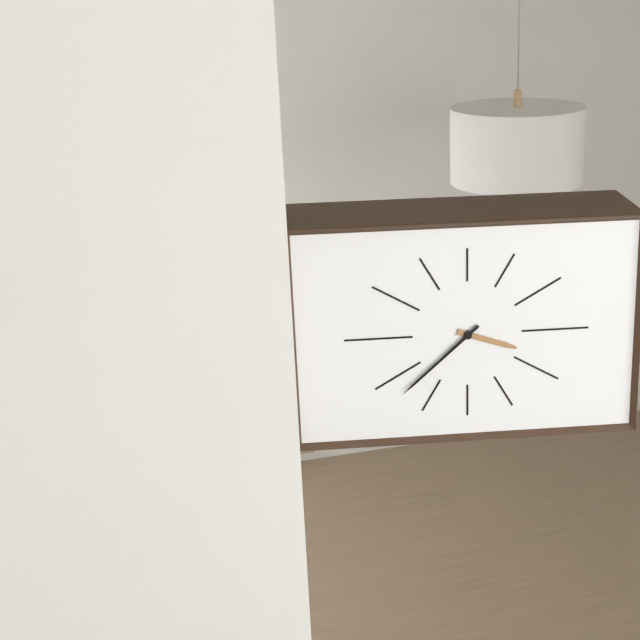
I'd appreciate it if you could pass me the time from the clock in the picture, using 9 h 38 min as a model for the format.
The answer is 3 h 38 min
